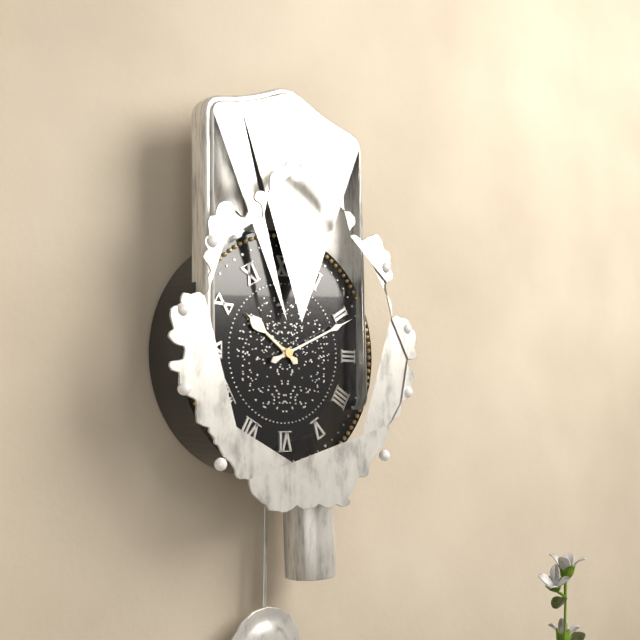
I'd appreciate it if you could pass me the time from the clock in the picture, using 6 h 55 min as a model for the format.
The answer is 10 h 11 min
